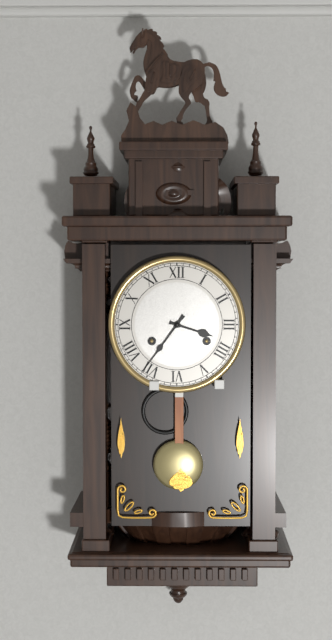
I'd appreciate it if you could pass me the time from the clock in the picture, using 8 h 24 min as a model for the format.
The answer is 3 h 36 min
